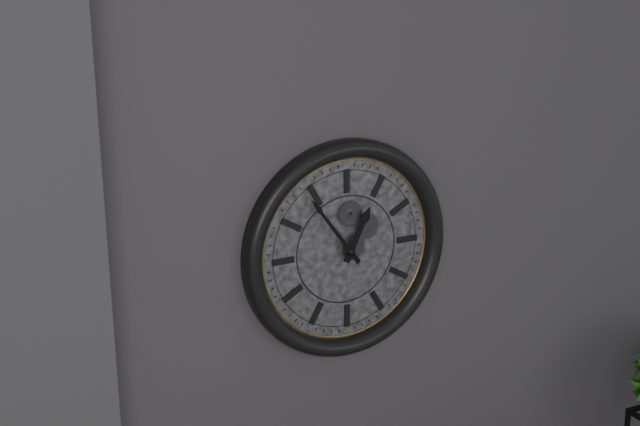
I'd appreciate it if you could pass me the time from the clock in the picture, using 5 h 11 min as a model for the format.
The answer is 12 h 54 min
